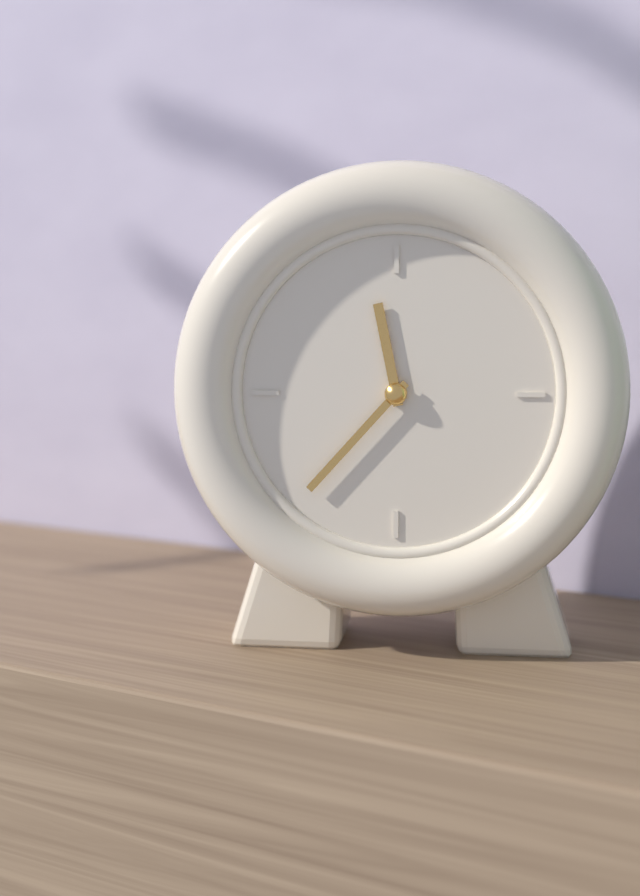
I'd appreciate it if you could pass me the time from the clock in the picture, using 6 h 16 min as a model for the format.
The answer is 11 h 37 min
